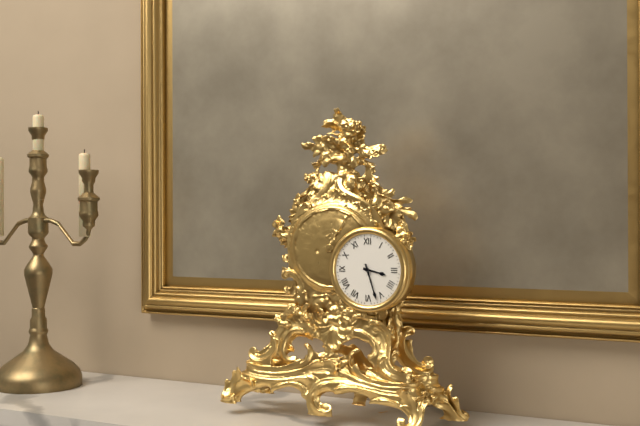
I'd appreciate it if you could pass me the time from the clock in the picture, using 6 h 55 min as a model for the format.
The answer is 3 h 27 min
